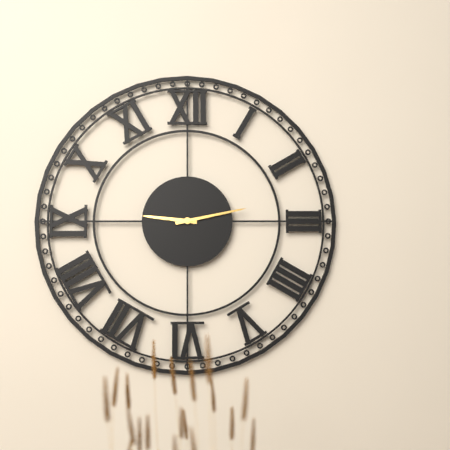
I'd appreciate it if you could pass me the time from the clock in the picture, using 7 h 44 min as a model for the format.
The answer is 9 h 13 min
